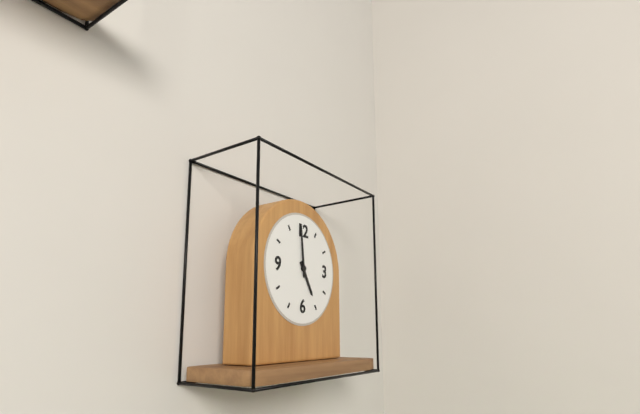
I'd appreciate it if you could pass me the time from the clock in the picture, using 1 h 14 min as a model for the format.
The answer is 4 h 59 min
